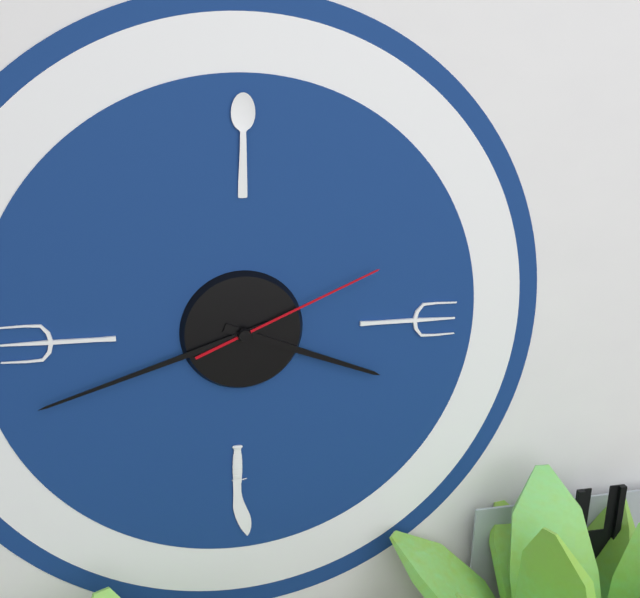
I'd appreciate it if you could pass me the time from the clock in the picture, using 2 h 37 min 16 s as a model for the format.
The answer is 3 h 42 min 11 s
